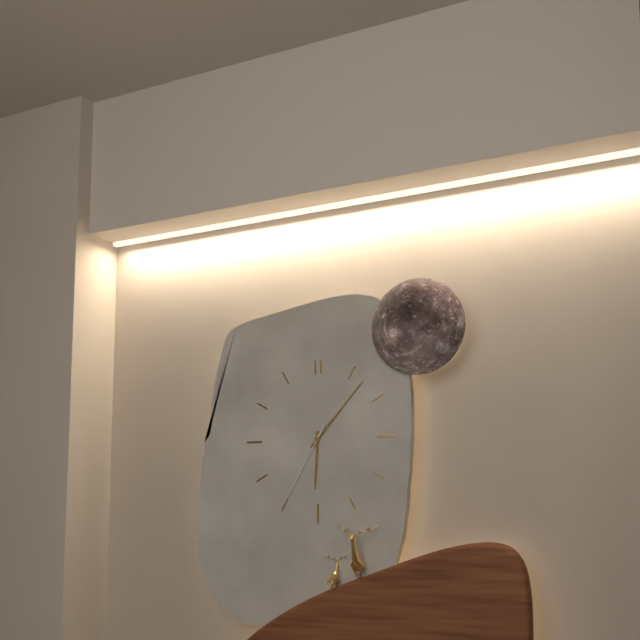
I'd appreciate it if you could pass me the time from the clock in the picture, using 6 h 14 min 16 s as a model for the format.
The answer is 6 h 07 min 35 s
